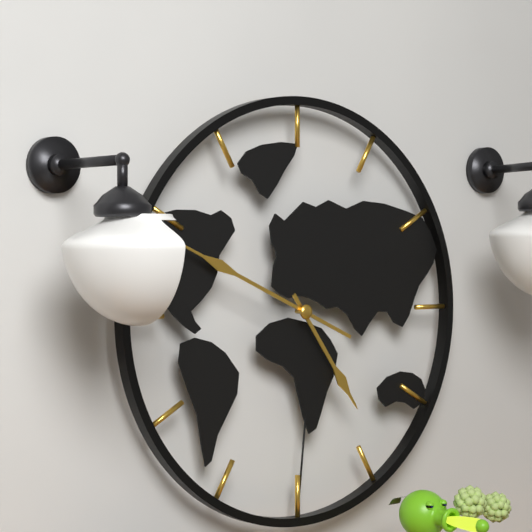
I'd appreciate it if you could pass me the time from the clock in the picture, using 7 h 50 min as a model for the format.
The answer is 4 h 49 min
